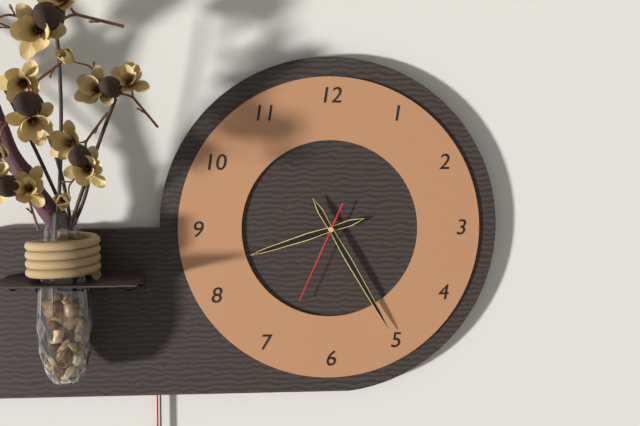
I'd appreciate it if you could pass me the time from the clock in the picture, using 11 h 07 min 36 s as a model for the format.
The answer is 8 h 25 min 34 s
